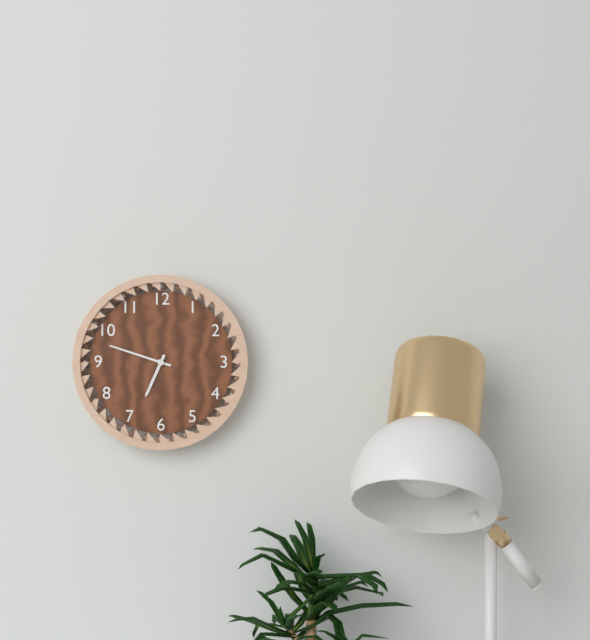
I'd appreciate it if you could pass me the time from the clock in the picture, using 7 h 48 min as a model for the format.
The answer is 6 h 48 min
